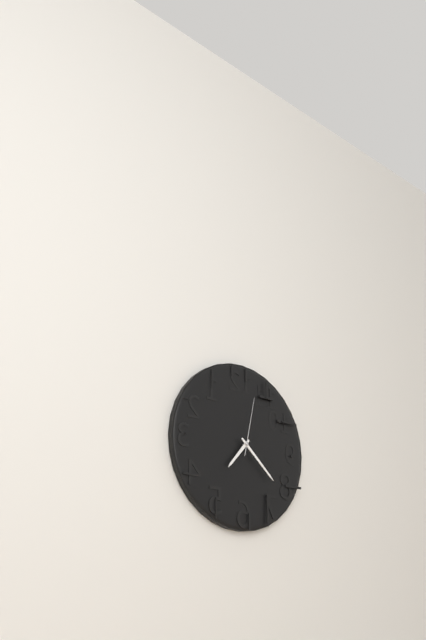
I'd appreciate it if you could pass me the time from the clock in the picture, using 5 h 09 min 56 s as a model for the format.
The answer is 7 h 22 min 02 s
